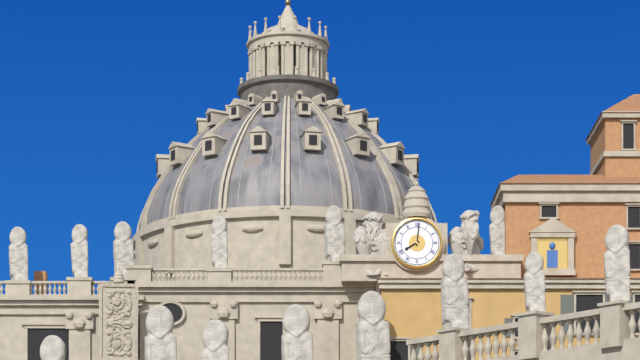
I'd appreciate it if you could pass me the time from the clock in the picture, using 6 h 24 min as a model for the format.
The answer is 8 h 01 min
